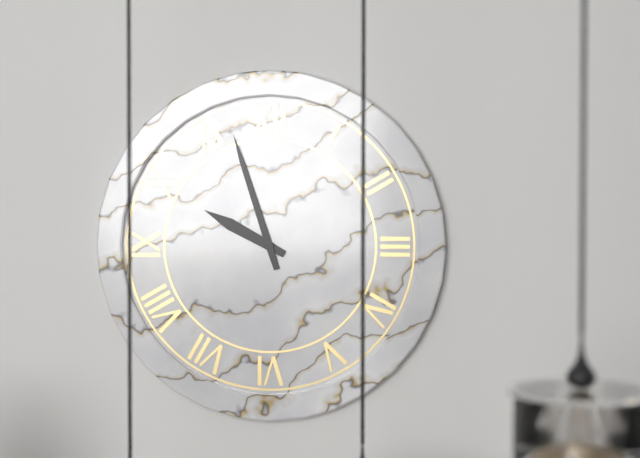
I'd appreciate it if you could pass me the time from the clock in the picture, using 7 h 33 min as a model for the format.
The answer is 9 h 57 min
